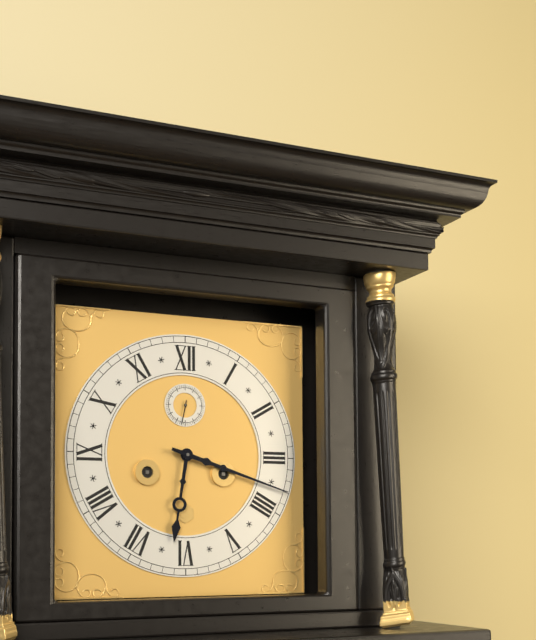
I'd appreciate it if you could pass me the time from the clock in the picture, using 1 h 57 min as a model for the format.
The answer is 6 h 18 min
